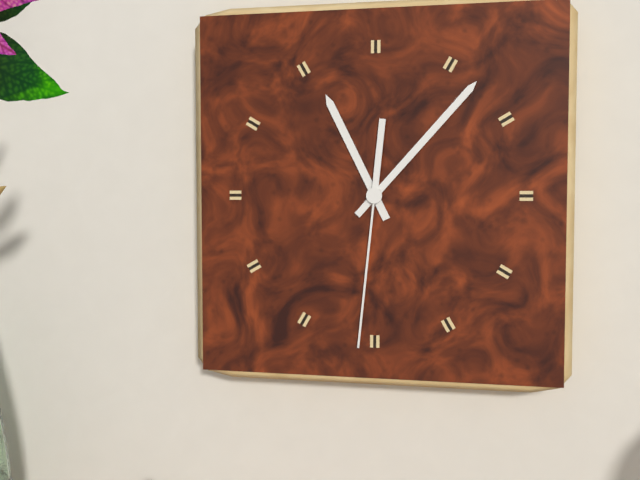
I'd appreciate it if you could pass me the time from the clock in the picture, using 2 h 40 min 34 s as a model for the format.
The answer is 11 h 07 min 31 s
